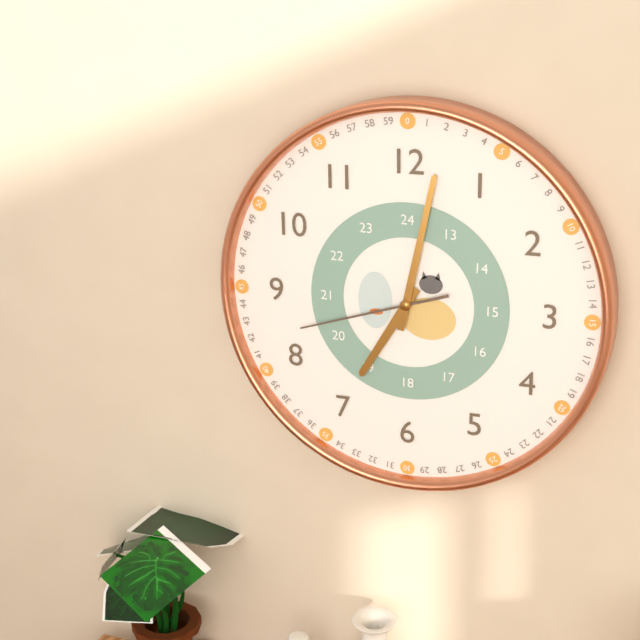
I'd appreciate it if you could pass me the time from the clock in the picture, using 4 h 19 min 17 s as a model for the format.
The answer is 7 h 02 min 42 s
